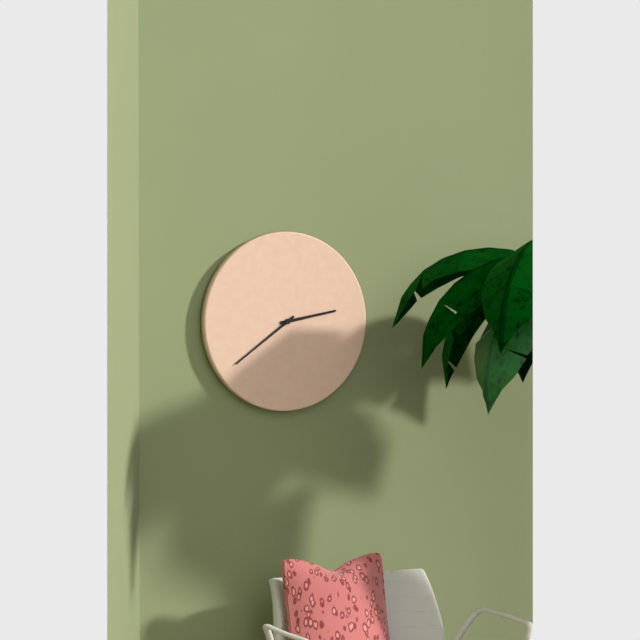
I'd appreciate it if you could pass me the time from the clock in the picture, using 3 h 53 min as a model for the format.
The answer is 2 h 39 min
